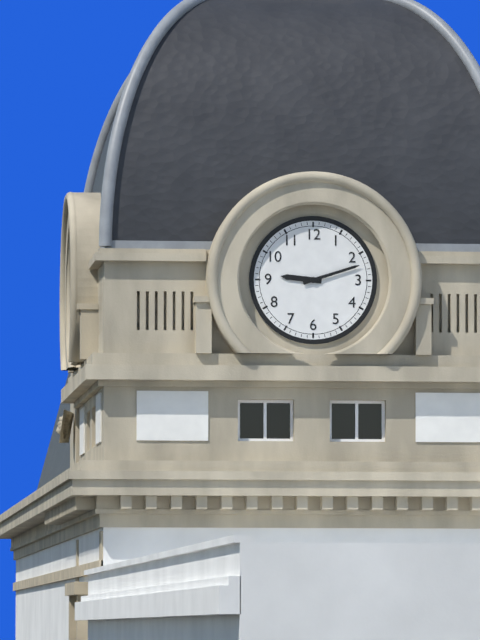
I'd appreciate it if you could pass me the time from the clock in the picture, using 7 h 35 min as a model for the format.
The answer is 9 h 12 min
